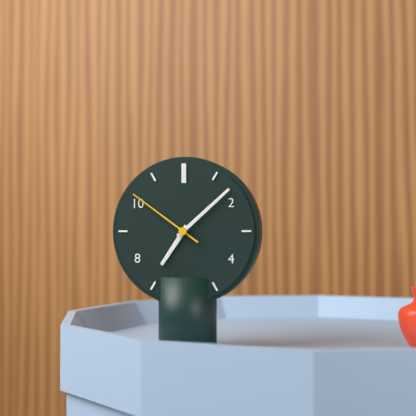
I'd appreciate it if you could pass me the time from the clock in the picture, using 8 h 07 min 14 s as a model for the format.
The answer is 7 h 08 min 51 s
